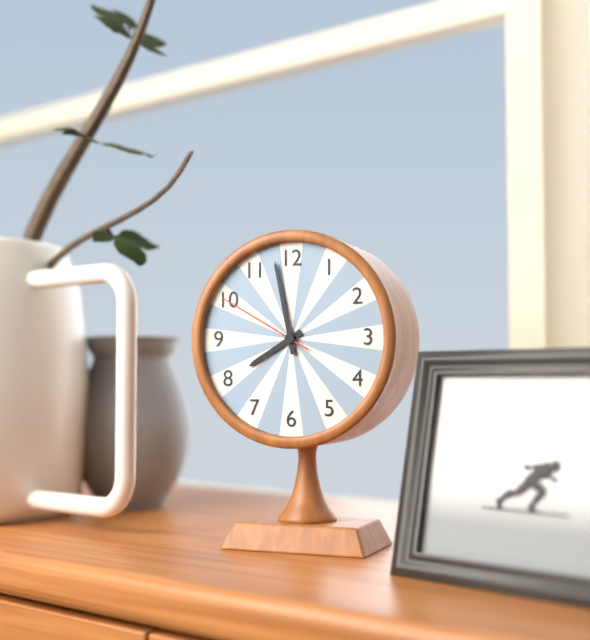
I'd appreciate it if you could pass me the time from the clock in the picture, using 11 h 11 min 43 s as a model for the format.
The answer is 7 h 58 min 50 s
